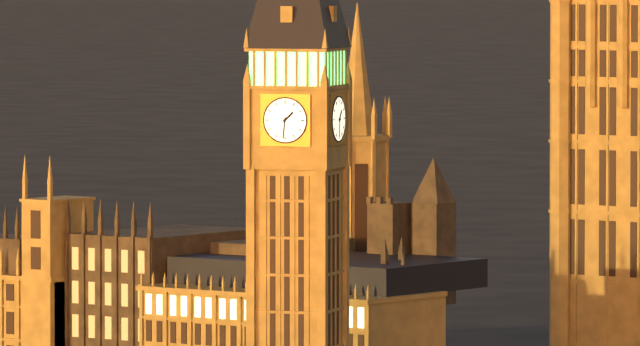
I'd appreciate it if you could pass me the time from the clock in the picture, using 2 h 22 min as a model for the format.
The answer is 1 h 31 min
